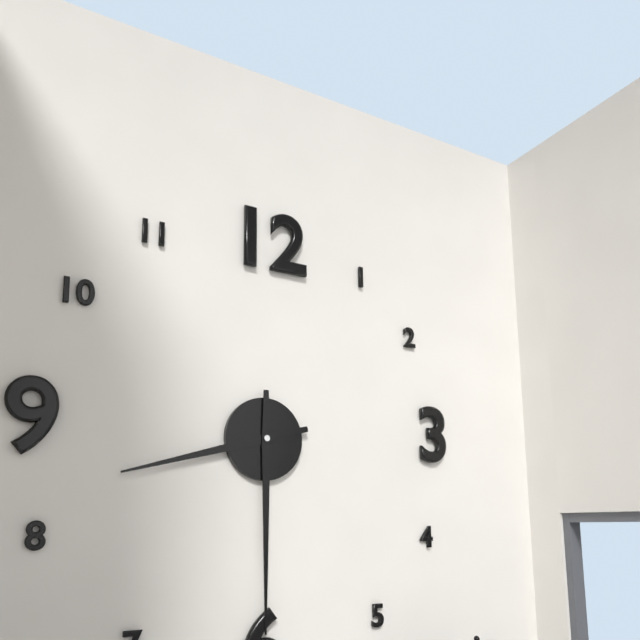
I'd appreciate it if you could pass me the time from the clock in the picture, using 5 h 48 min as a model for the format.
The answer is 8 h 30 min
